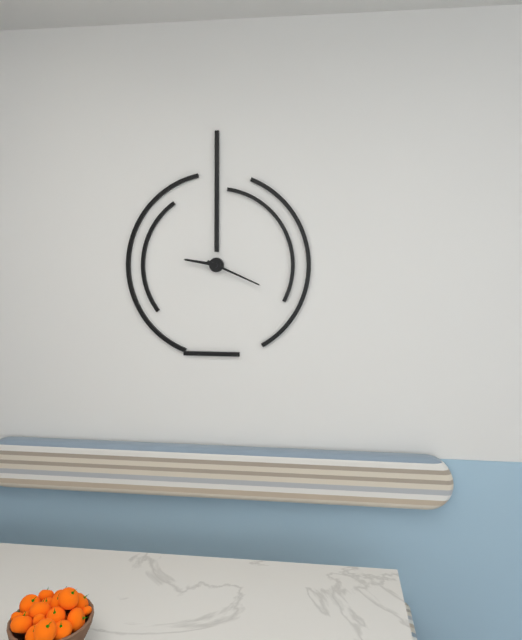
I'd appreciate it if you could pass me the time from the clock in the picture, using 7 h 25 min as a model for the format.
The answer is 9 h 19 min
